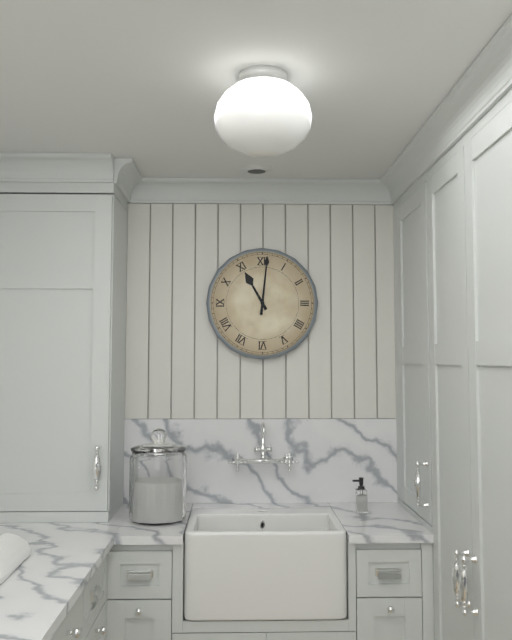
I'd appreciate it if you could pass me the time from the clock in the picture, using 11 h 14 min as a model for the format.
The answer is 11 h 01 min
